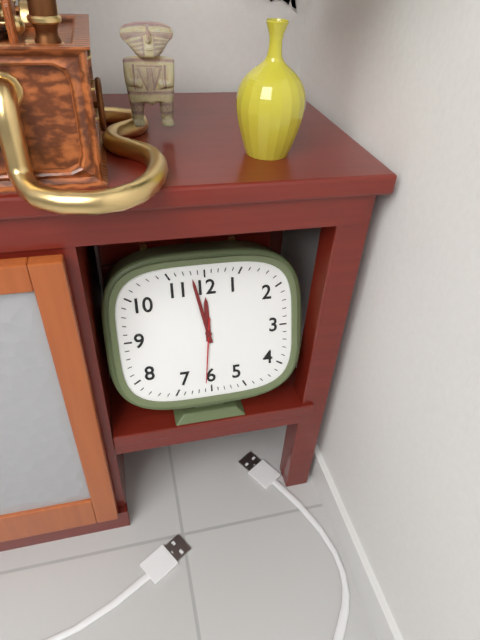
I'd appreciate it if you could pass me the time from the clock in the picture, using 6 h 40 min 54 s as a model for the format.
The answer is 11 h 58 min 31 s
